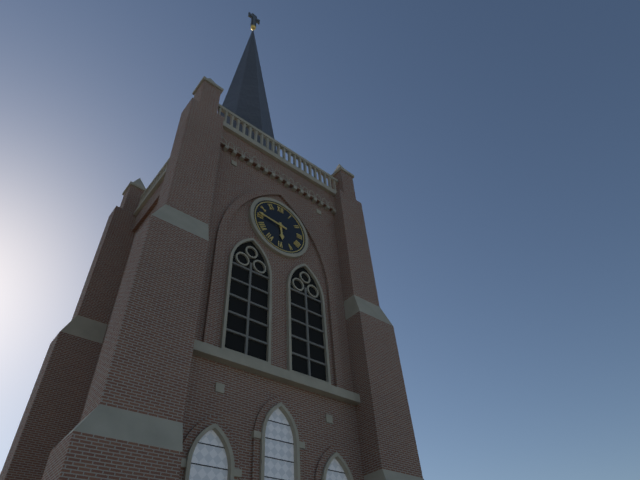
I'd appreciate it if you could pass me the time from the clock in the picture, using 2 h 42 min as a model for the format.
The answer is 5 h 46 min
